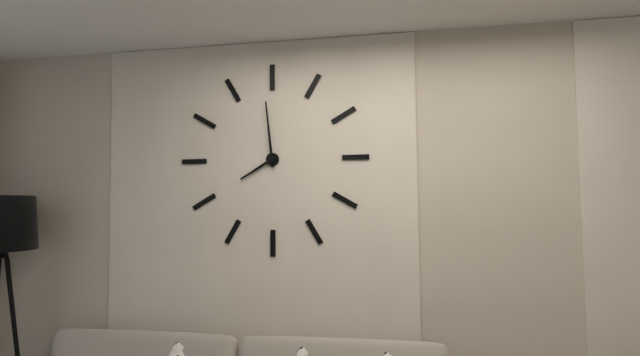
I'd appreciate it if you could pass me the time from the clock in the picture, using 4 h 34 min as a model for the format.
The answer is 7 h 59 min
